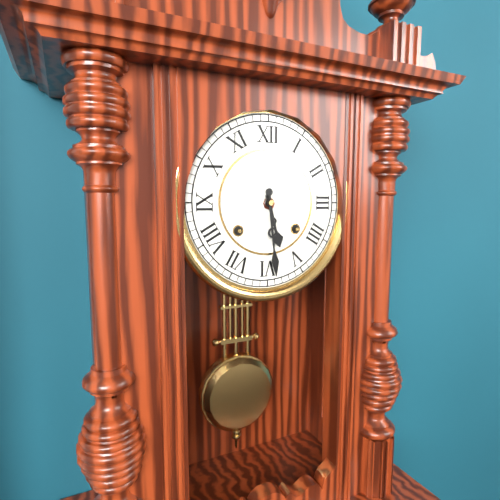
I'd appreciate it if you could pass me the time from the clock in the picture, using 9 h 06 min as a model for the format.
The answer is 5 h 29 min
